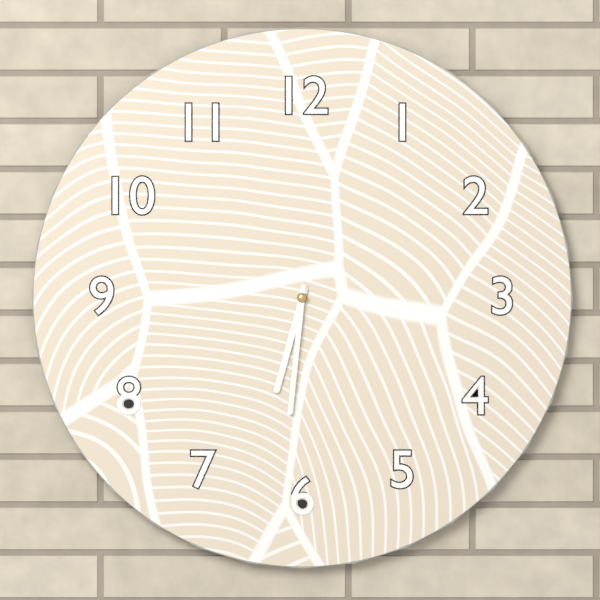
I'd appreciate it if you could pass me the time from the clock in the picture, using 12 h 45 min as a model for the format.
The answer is 6 h 31 min
